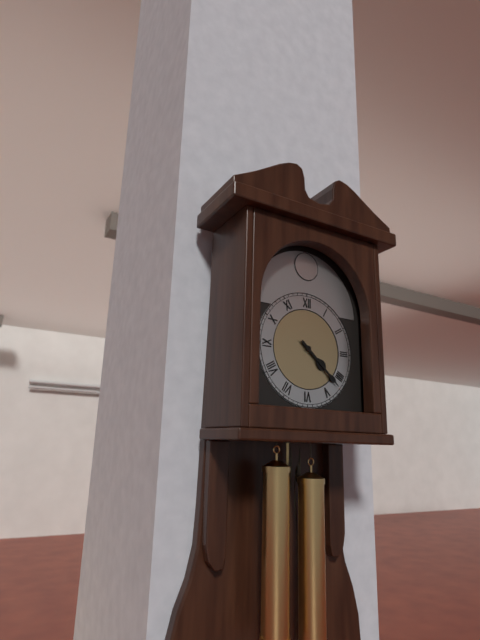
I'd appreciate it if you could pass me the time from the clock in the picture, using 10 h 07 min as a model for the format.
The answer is 4 h 22 min
